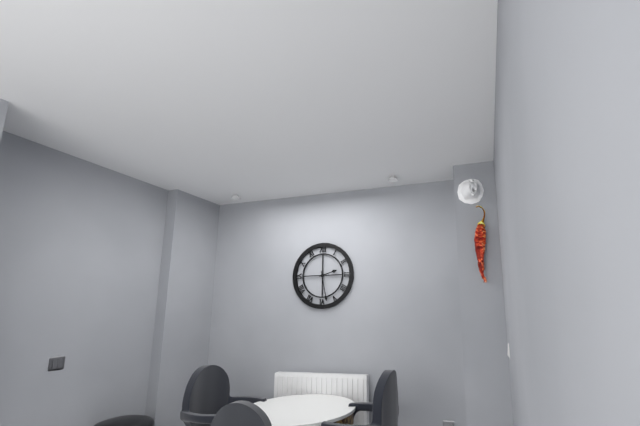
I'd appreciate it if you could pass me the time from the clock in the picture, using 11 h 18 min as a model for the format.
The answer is 2 h 28 min
